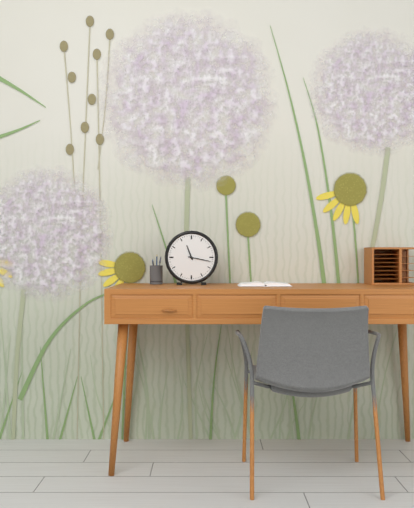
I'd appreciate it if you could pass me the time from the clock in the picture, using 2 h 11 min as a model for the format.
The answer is 11 h 17 min
